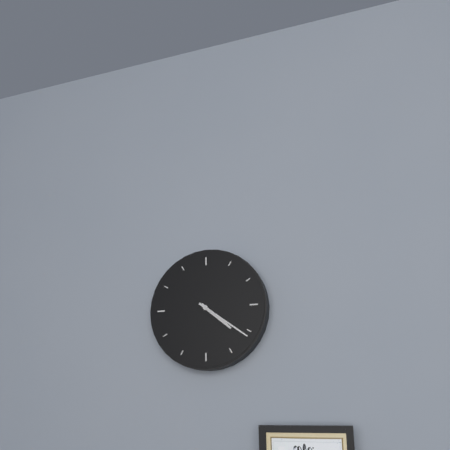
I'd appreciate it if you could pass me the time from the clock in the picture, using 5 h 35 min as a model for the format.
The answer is 4 h 21 min
